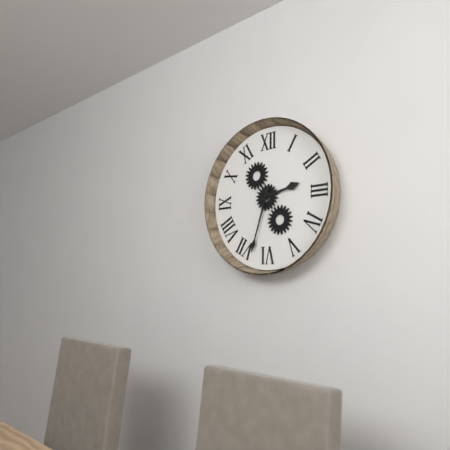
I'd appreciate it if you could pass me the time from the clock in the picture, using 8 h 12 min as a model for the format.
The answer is 2 h 33 min
